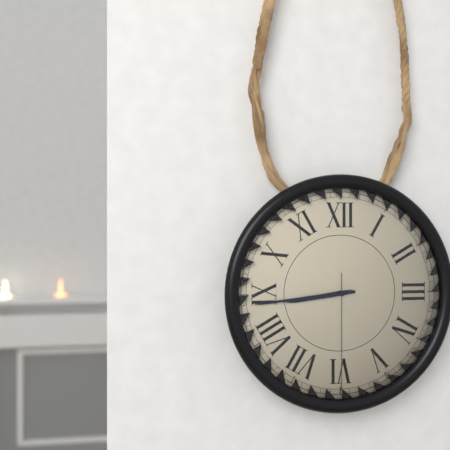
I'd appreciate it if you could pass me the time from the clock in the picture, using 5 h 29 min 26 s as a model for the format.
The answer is 8 h 44 min 30 s
